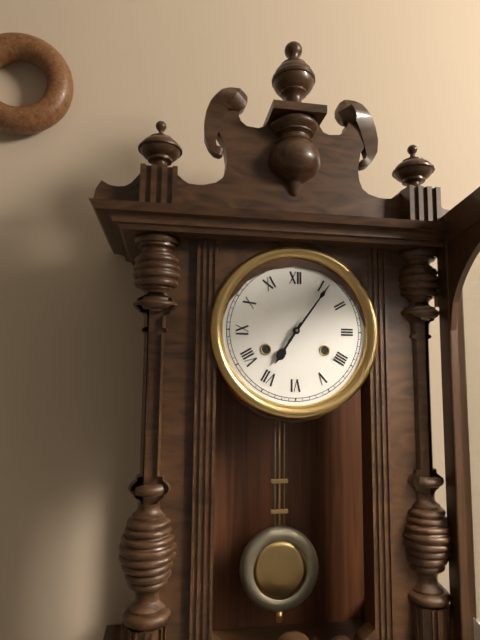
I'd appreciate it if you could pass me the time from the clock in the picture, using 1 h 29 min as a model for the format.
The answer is 7 h 06 min
